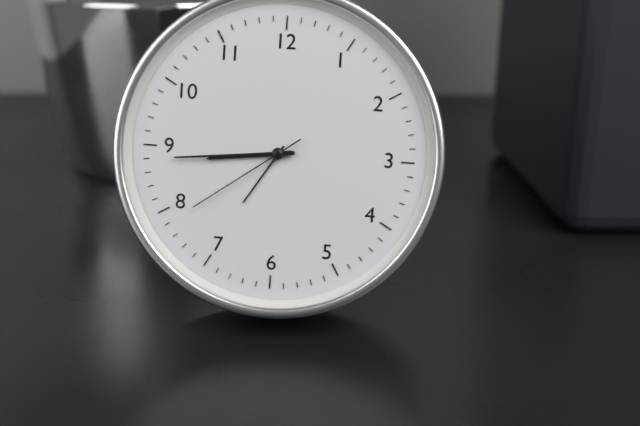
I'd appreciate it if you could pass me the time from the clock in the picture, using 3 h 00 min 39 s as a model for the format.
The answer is 8 h 44 min 39 s
